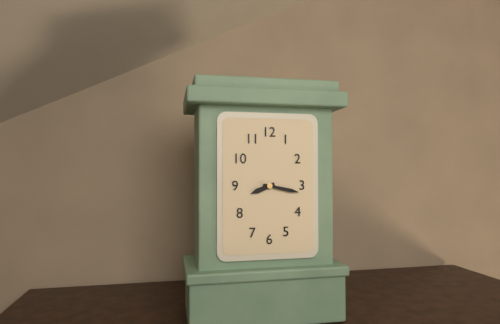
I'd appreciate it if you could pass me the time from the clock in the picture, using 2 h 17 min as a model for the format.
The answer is 8 h 17 min
